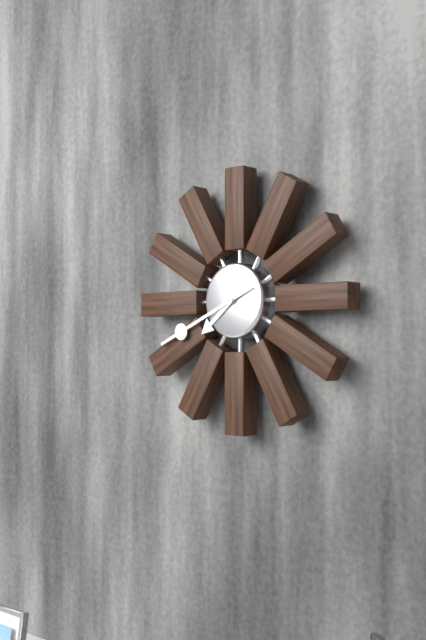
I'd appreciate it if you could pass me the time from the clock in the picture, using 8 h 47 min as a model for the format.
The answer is 7 h 41 min
